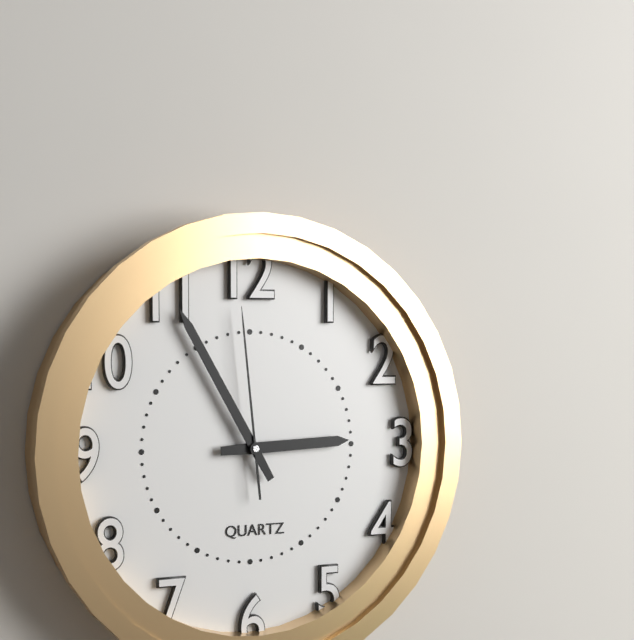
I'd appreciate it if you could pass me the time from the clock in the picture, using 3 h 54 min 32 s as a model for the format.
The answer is 2 h 55 min 59 s
